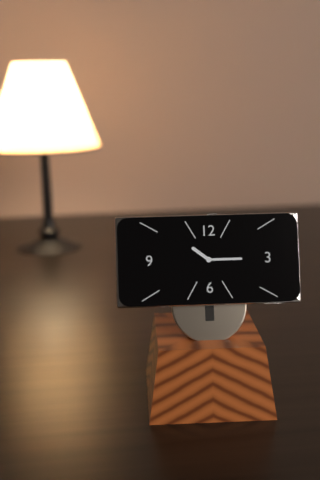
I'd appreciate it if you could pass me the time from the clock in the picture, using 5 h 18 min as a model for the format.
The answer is 10 h 15 min
